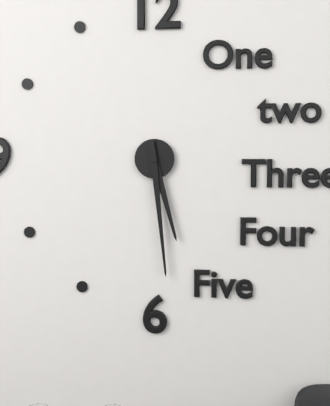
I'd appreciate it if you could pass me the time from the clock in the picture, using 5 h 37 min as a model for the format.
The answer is 5 h 29 min
